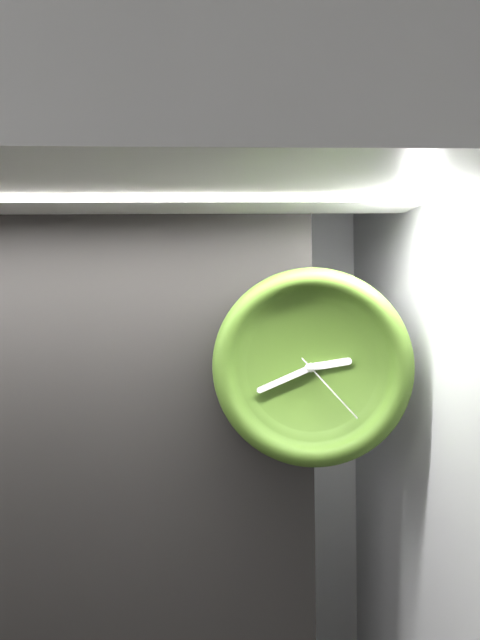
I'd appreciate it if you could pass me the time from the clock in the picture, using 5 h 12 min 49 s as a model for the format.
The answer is 2 h 41 min 23 s
